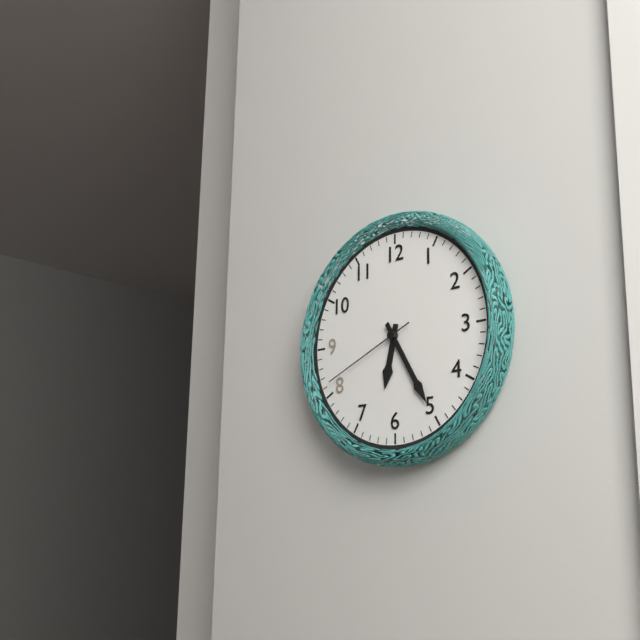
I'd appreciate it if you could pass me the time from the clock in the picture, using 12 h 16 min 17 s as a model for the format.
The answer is 6 h 25 min 41 s
